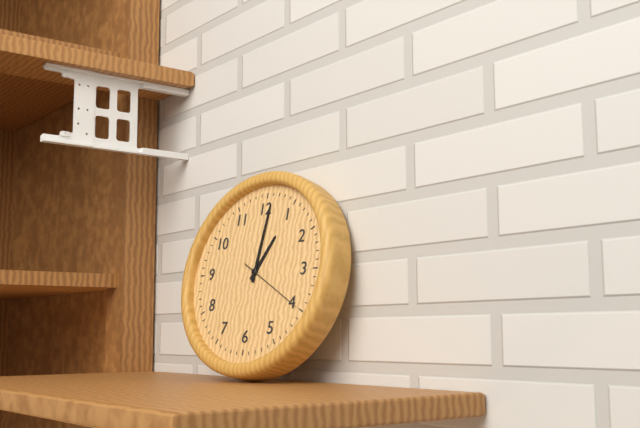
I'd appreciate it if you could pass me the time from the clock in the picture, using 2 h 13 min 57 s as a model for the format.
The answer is 1 h 01 min 20 s
